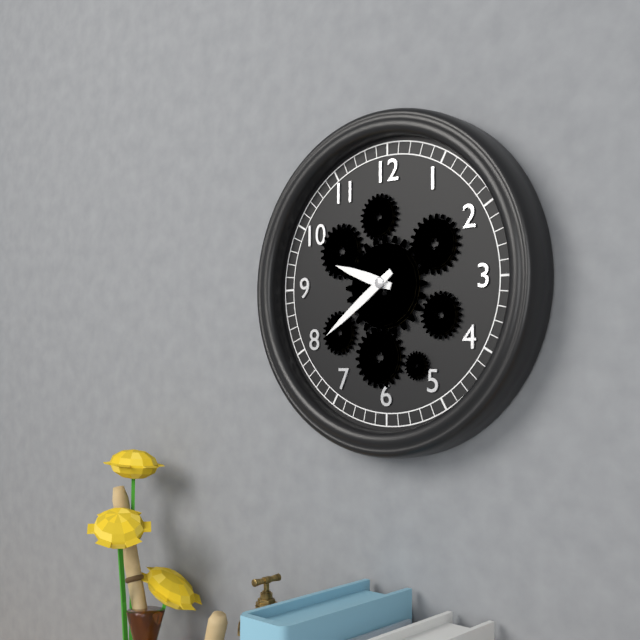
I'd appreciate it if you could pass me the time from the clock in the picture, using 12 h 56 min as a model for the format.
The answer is 9 h 39 min
